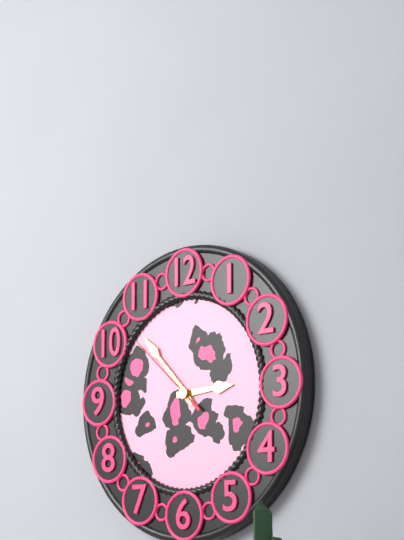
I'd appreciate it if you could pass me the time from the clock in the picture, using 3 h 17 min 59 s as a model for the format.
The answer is 2 h 53 min 52 s
